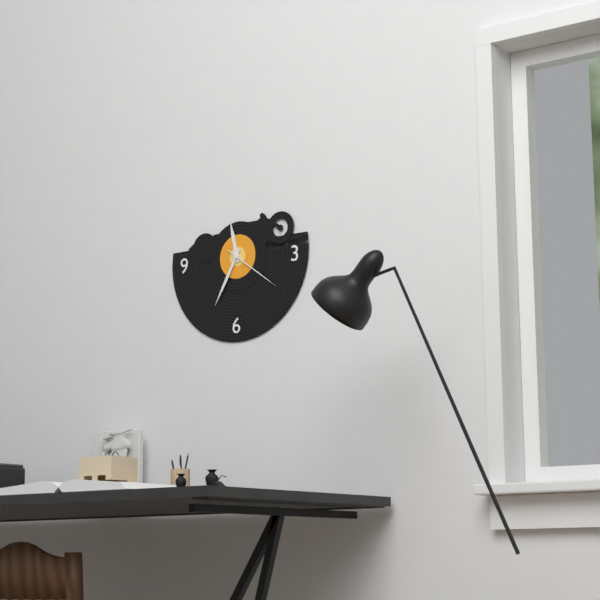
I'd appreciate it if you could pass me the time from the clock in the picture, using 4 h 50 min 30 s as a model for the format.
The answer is 11 h 35 min 21 s
